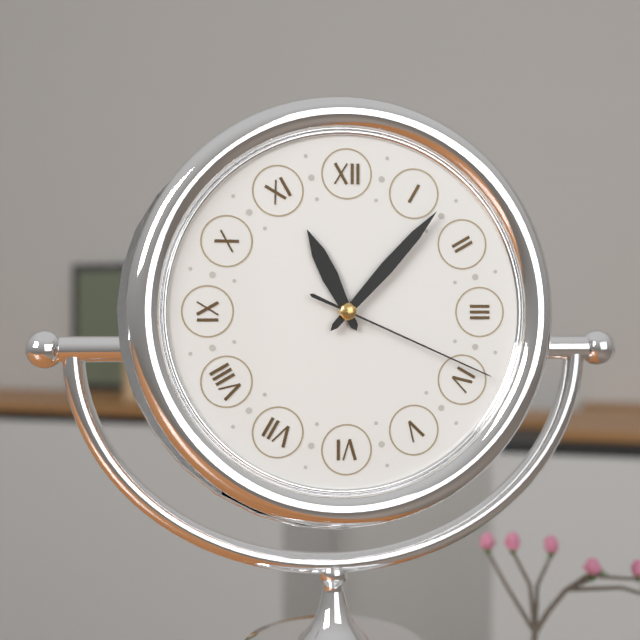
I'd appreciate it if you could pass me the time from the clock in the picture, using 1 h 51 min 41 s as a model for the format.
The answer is 11 h 07 min 19 s
